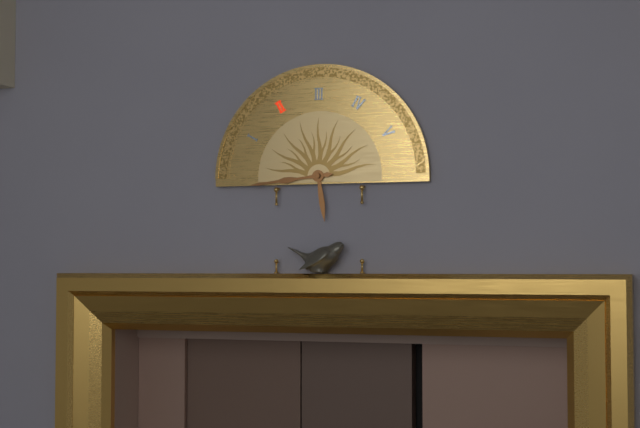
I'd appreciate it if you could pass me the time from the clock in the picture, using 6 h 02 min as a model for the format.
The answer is 5 h 44 min
